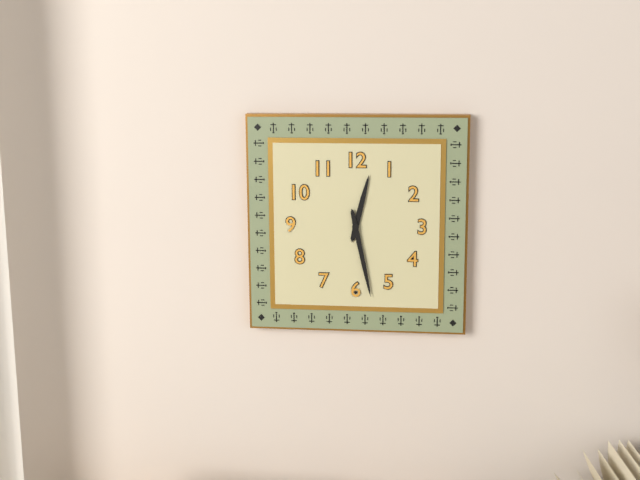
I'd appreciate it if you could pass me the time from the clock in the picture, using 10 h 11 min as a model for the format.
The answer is 12 h 28 min
